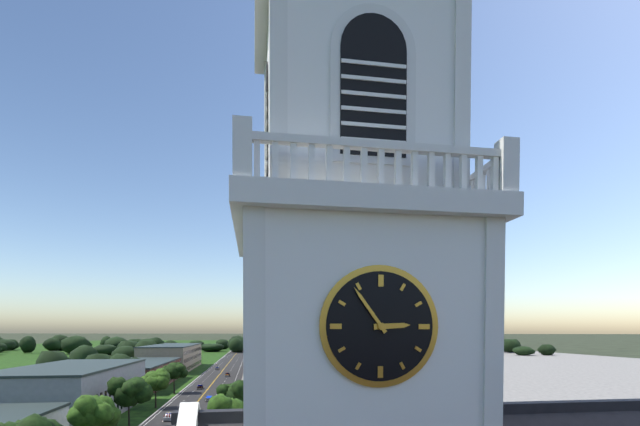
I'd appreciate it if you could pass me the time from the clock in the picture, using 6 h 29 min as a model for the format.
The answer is 2 h 54 min
